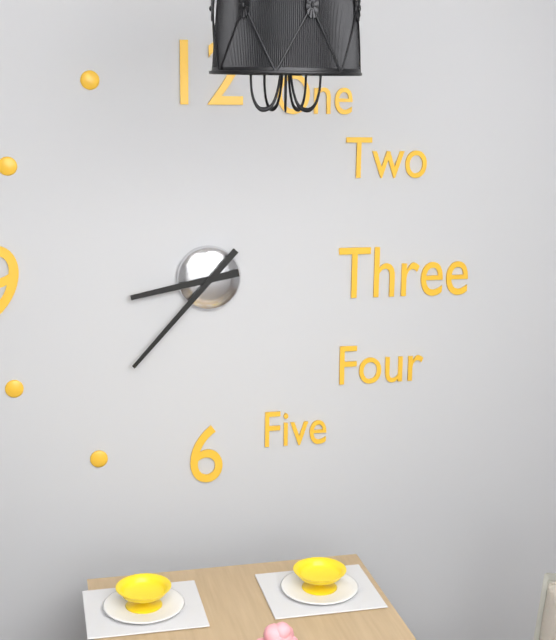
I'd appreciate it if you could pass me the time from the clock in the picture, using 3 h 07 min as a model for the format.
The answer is 8 h 37 min
